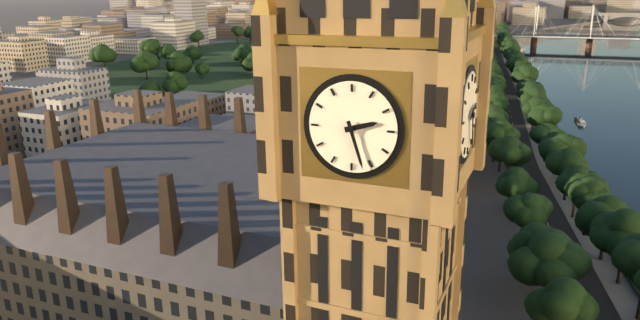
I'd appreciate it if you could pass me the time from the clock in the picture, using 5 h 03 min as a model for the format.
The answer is 2 h 27 min
